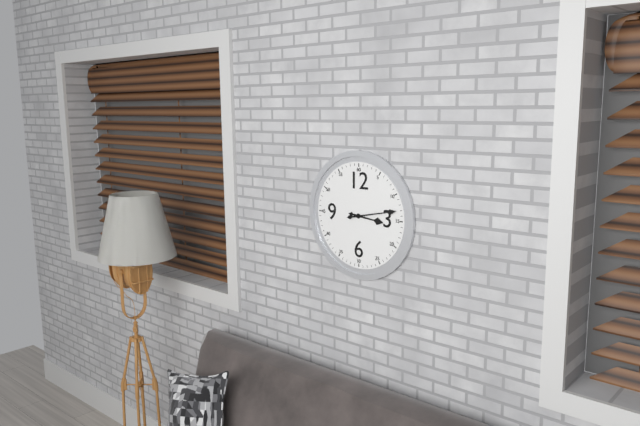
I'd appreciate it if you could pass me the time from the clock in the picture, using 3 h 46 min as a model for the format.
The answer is 3 h 13 min
